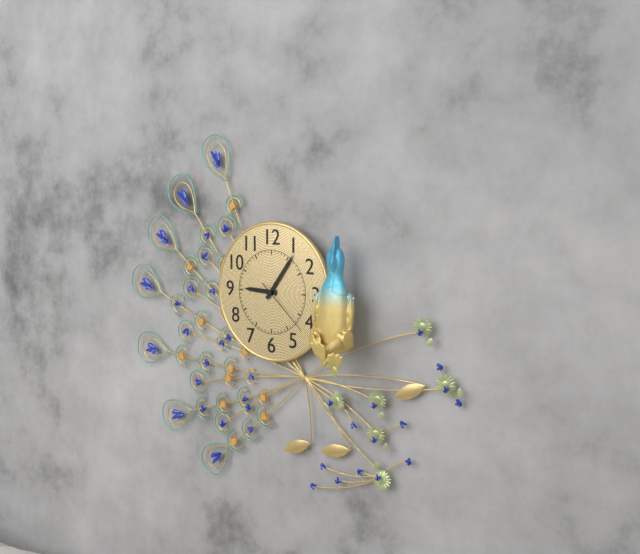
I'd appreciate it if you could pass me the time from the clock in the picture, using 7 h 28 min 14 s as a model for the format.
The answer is 9 h 06 min 22 s
